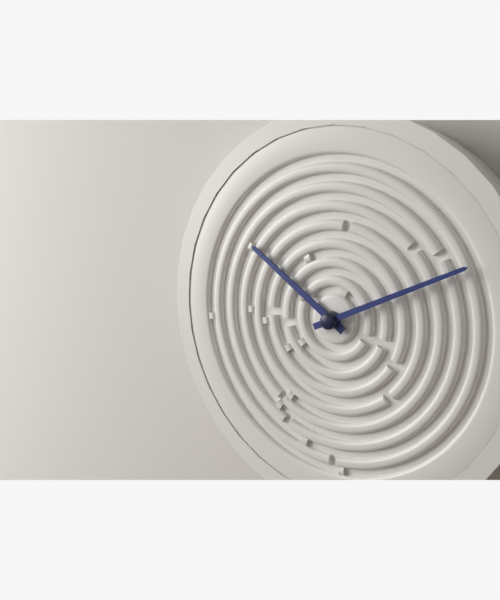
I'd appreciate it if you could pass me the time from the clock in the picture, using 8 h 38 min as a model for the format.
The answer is 10 h 11 min
